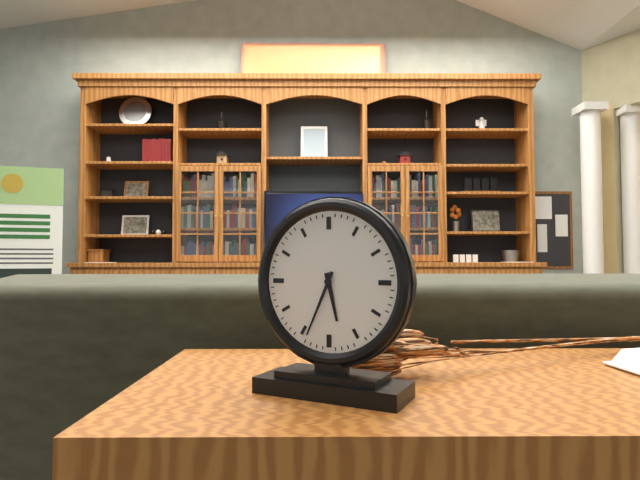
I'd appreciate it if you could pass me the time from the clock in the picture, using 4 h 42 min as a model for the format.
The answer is 5 h 34 min
